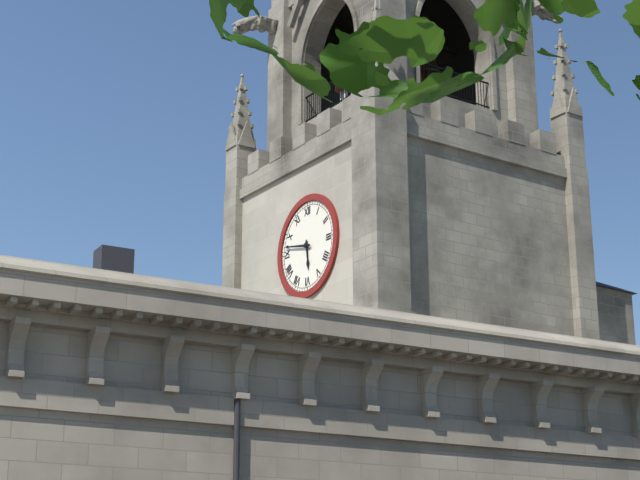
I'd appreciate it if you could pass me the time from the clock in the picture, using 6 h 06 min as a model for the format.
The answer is 5 h 47 min
